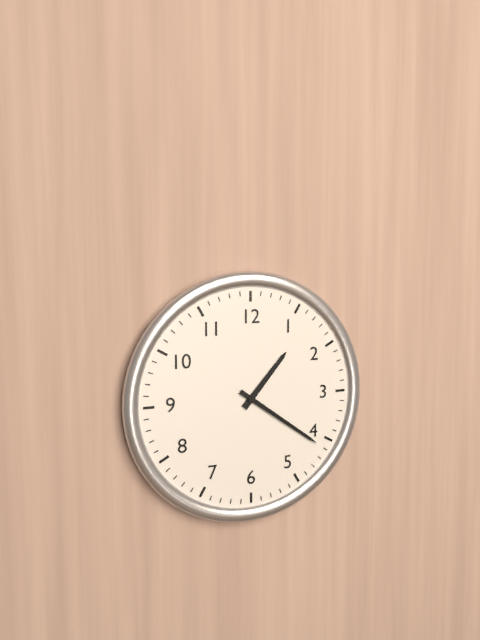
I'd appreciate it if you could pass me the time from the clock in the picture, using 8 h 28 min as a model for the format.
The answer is 1 h 21 min
